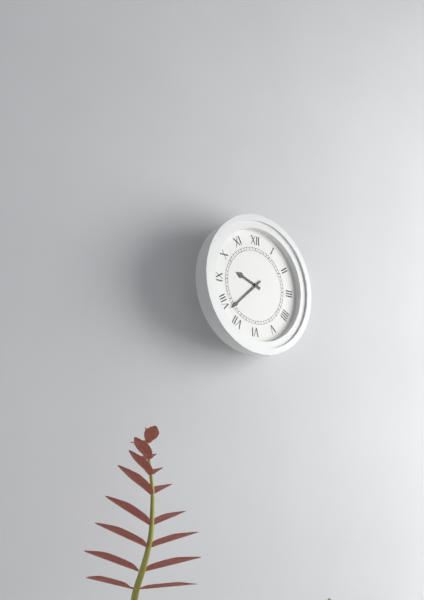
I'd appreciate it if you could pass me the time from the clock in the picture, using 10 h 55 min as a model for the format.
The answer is 9 h 38 min
